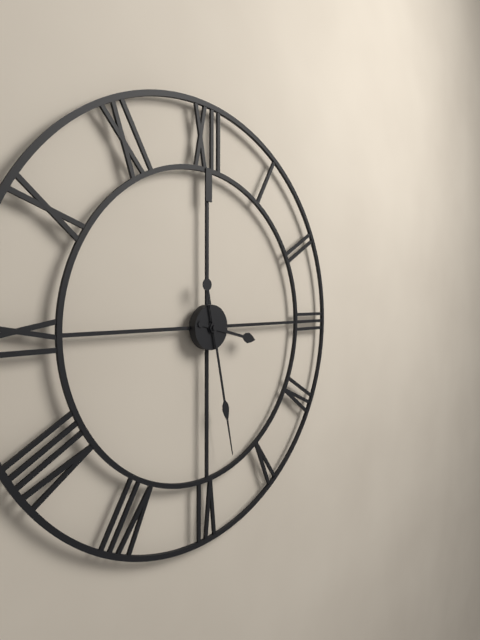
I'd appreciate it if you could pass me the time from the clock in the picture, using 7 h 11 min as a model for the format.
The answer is 3 h 28 min
